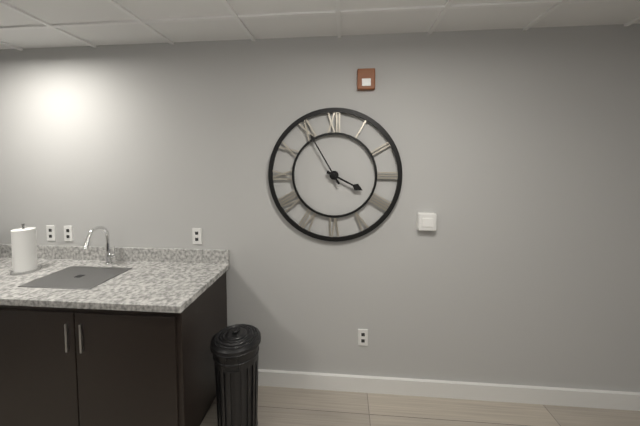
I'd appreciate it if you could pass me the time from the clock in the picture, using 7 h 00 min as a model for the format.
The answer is 3 h 55 min
